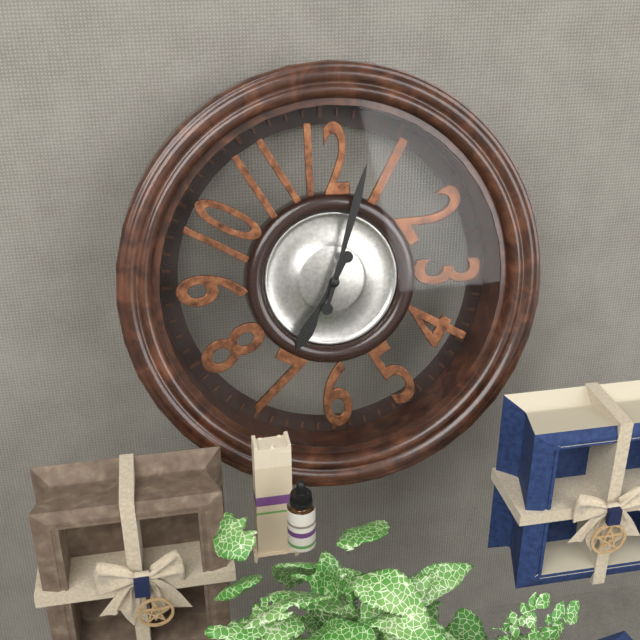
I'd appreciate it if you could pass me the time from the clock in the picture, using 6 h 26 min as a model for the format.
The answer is 7 h 03 min
